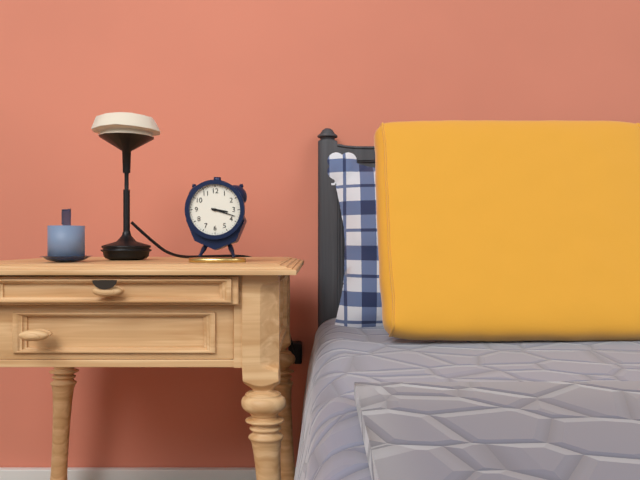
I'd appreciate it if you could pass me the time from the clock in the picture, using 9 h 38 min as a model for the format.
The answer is 3 h 18 min
